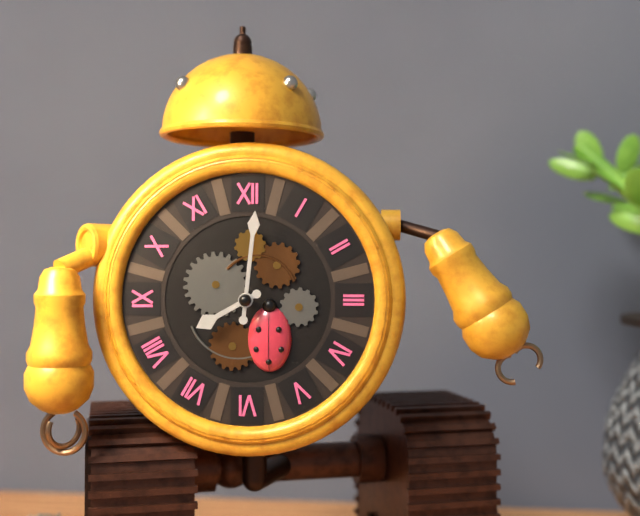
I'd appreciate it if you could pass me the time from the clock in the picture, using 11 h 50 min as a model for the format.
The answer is 8 h 01 min
